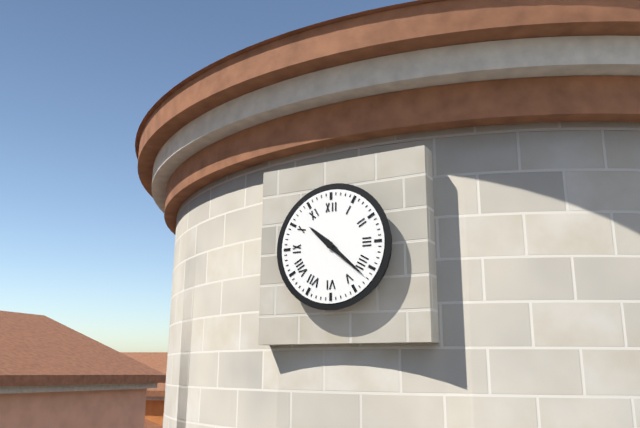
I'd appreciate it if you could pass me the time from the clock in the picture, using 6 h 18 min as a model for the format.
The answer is 10 h 22 min
